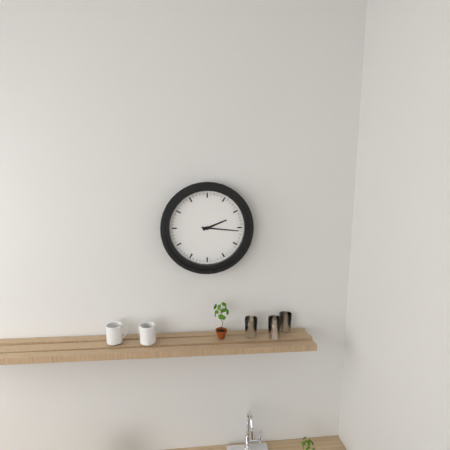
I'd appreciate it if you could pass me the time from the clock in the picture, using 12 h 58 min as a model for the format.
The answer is 2 h 16 min
